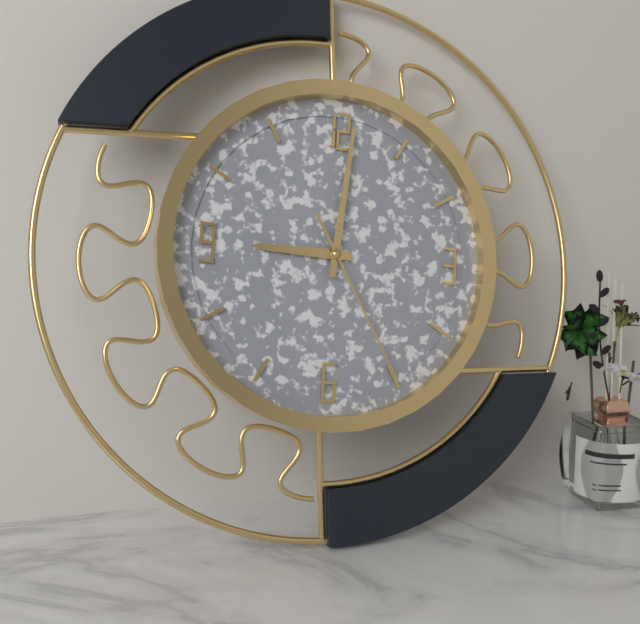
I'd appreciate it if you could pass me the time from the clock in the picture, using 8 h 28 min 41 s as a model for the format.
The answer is 9 h 01 min 25 s
